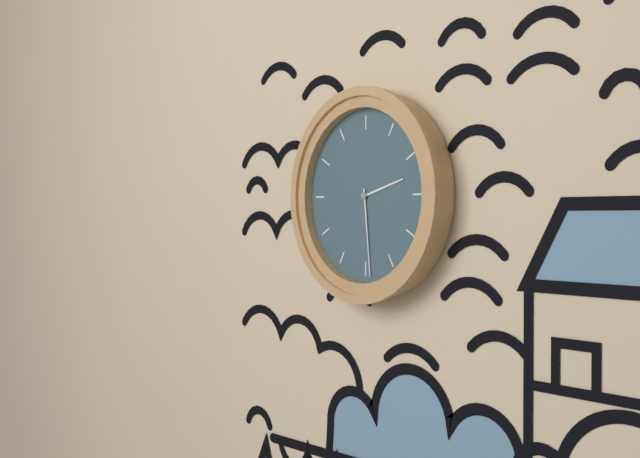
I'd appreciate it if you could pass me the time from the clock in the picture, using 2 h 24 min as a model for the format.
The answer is 2 h 29 min
